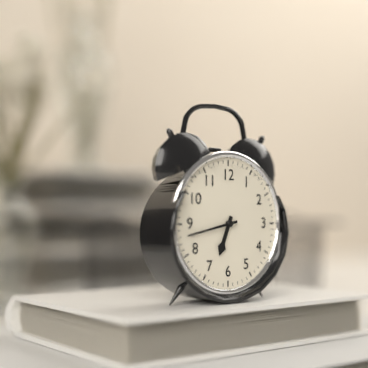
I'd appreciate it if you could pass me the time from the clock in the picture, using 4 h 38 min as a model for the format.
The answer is 6 h 43 min
